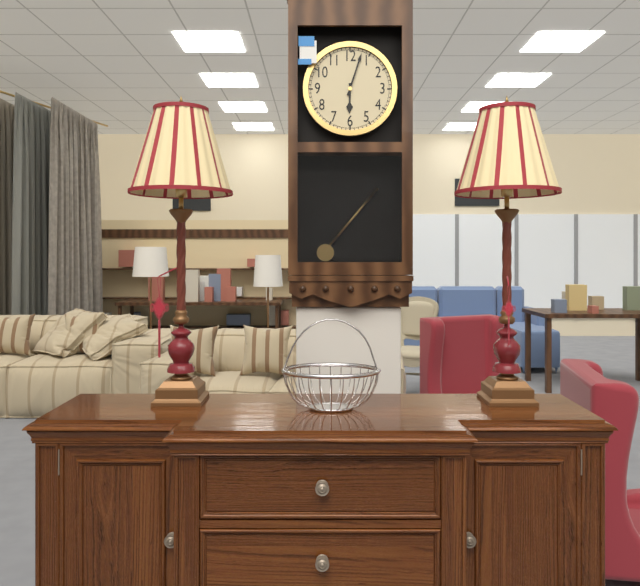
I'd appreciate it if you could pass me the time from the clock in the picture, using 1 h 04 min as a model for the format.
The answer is 6 h 03 min
